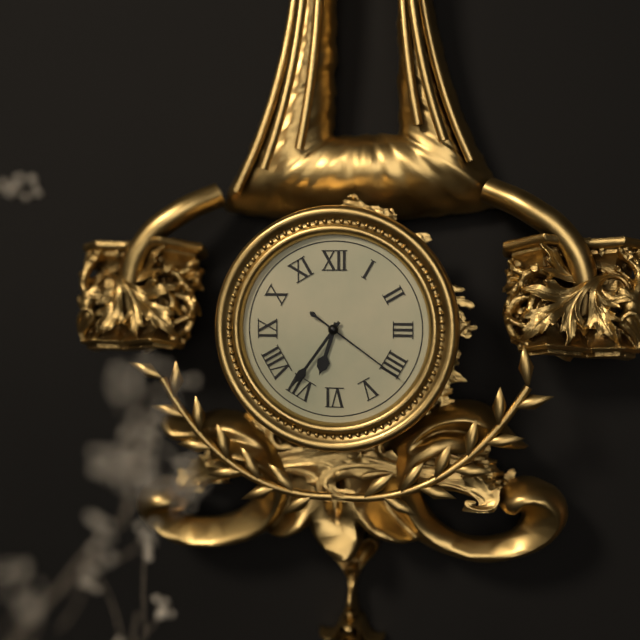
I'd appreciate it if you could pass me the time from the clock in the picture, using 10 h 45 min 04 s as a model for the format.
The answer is 6 h 36 min 21 s
